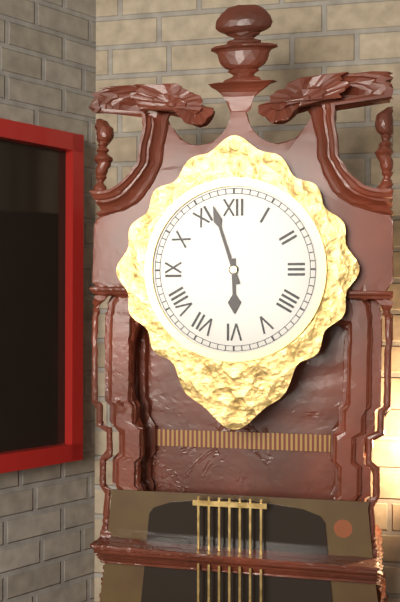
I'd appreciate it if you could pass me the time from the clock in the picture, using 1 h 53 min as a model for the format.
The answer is 5 h 57 min
